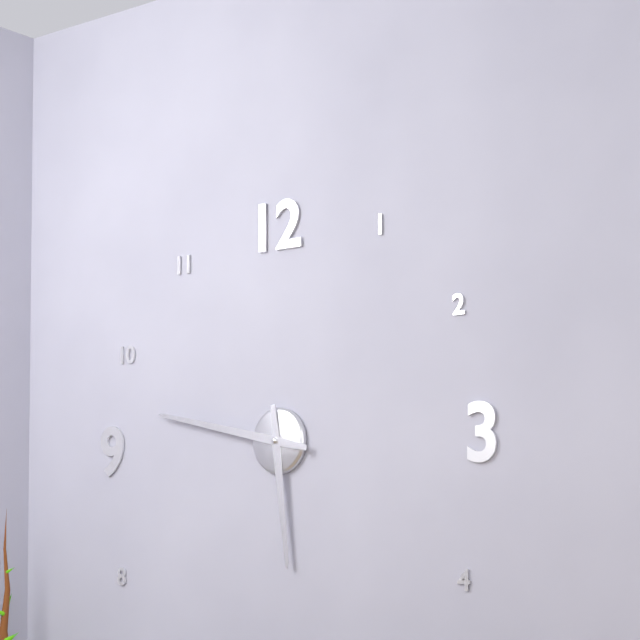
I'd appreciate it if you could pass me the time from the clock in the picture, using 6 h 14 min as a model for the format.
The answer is 5 h 47 min
